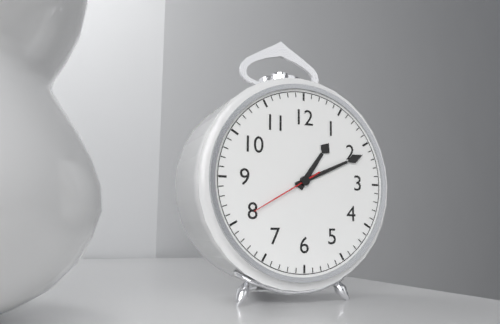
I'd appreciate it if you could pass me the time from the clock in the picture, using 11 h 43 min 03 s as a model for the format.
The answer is 1 h 11 min 40 s
